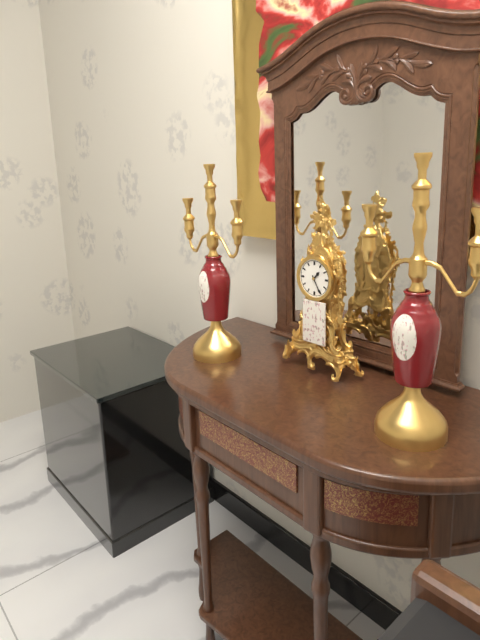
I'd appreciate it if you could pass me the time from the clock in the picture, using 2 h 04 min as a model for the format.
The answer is 1 h 25 min
